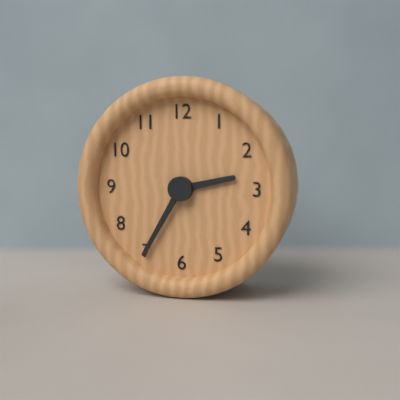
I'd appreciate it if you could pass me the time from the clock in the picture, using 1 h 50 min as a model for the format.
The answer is 2 h 35 min
